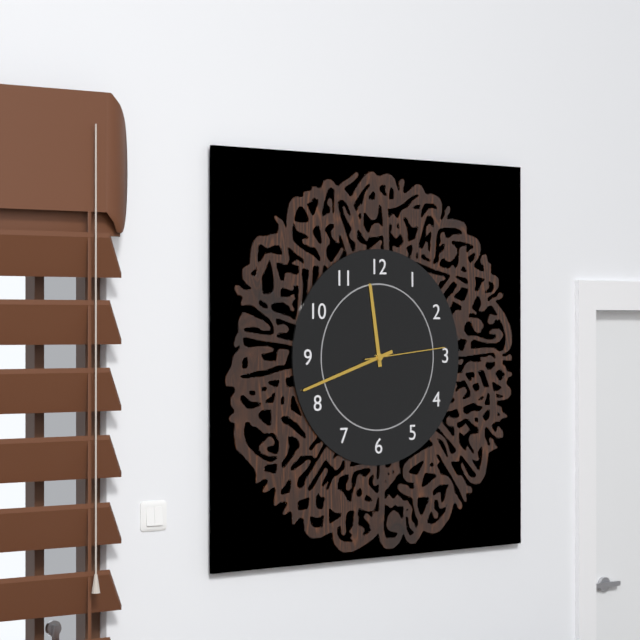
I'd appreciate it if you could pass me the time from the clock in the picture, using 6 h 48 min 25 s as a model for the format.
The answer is 11 h 42 min 14 s
